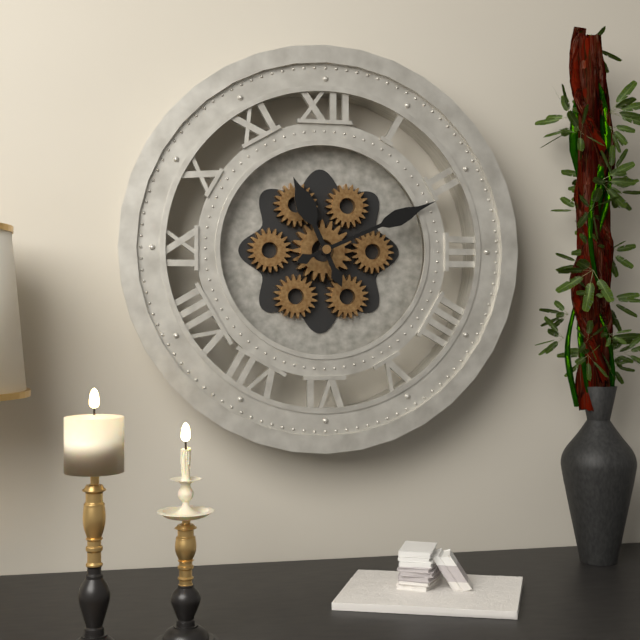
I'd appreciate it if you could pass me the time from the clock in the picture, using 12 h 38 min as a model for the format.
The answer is 11 h 11 min
